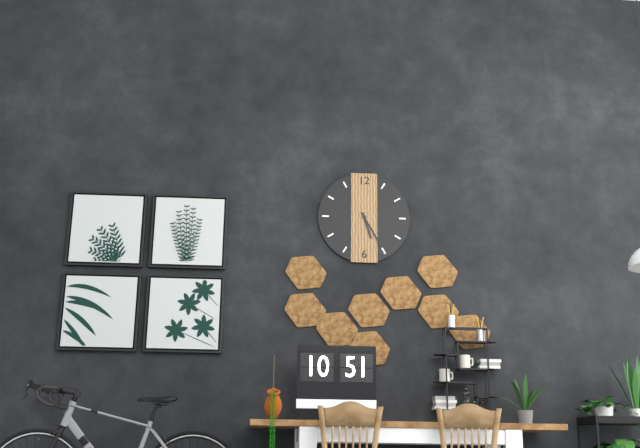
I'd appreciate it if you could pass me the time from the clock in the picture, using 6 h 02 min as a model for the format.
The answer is 5 h 25 min
